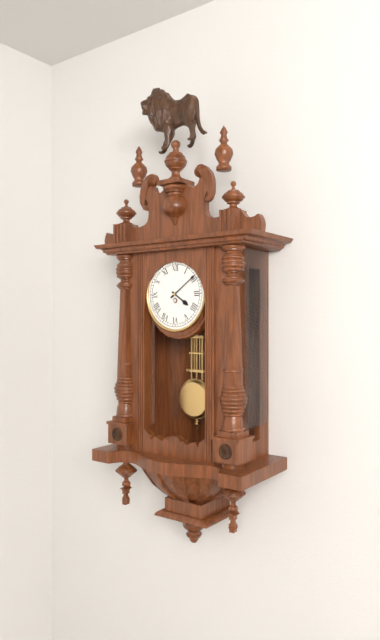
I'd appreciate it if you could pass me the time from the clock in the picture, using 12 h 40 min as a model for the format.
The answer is 4 h 09 min
